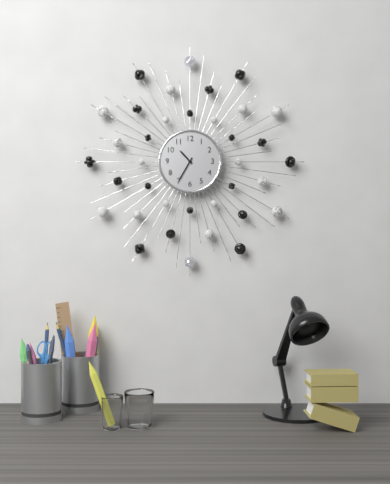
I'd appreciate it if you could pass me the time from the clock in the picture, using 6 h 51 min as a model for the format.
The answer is 10 h 35 min
